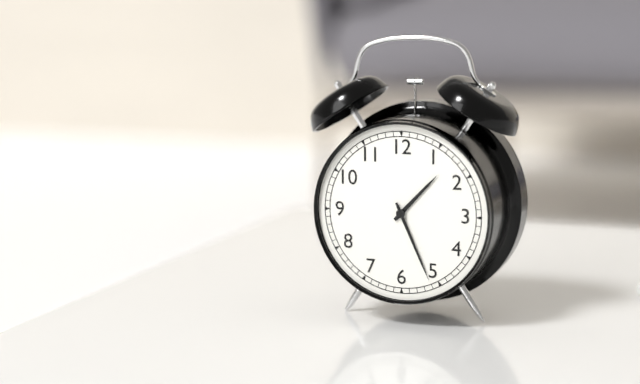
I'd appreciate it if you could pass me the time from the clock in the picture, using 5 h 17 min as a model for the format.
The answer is 1 h 26 min
